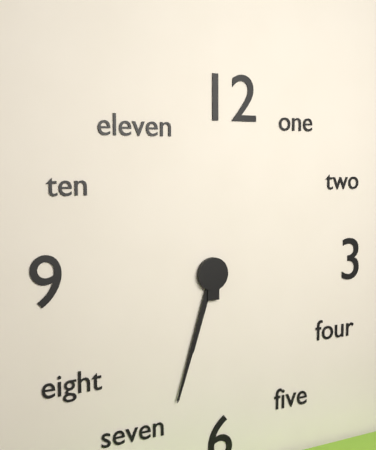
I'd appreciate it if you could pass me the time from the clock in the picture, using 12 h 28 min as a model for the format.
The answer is 6 h 33 min
